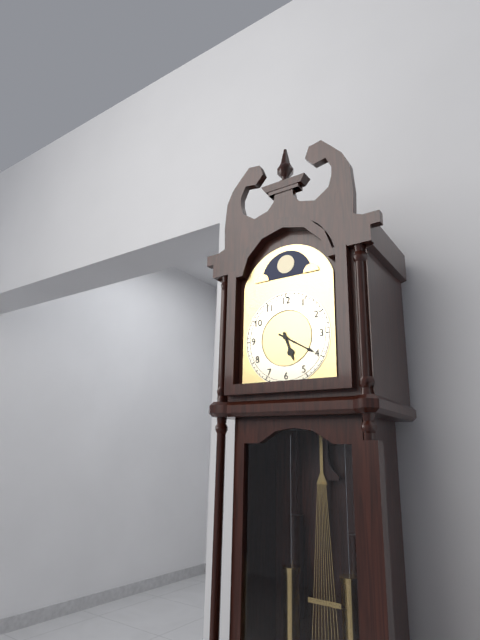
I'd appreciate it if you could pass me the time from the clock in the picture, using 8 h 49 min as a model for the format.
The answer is 5 h 20 min
